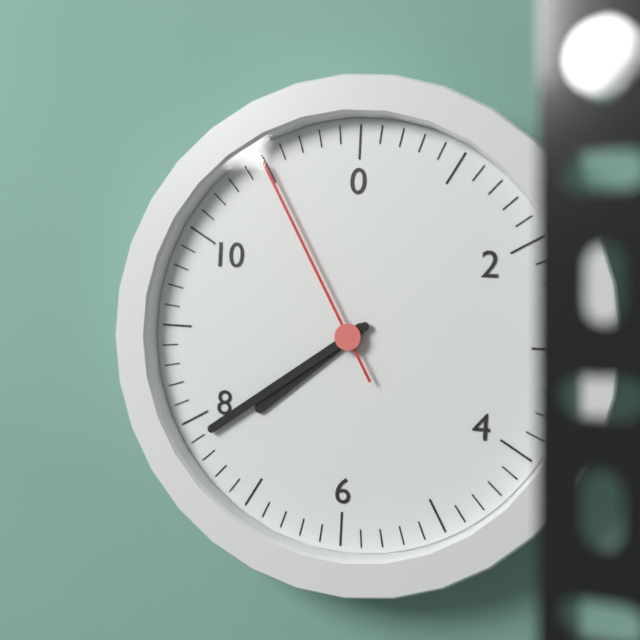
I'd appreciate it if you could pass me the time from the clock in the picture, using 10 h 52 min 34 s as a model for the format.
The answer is 7 h 39 min 55 s
